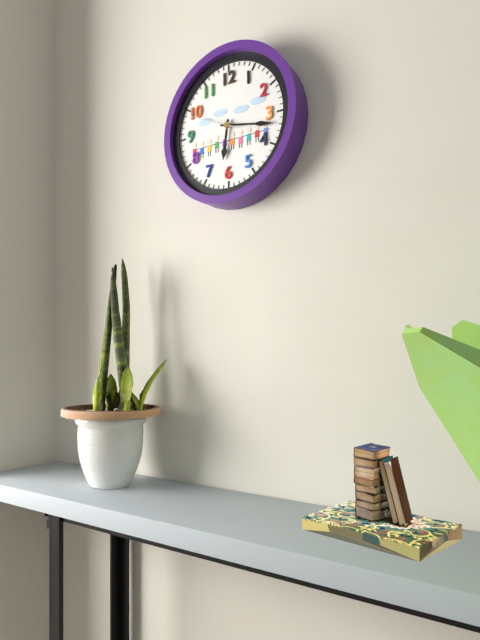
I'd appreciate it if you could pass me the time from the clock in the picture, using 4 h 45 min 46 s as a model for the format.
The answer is 6 h 17 min 49 s
